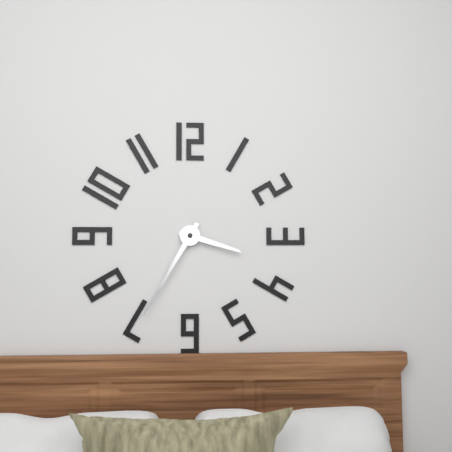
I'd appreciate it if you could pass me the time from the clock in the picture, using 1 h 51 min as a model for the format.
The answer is 3 h 35 min
